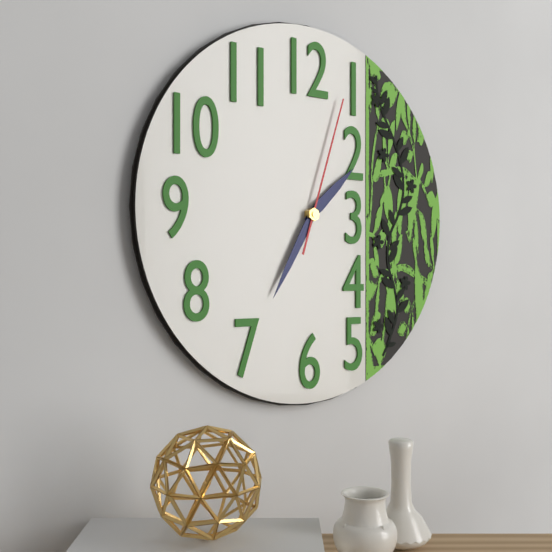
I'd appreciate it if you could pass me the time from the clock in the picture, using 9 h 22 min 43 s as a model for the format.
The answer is 1 h 35 min 03 s
